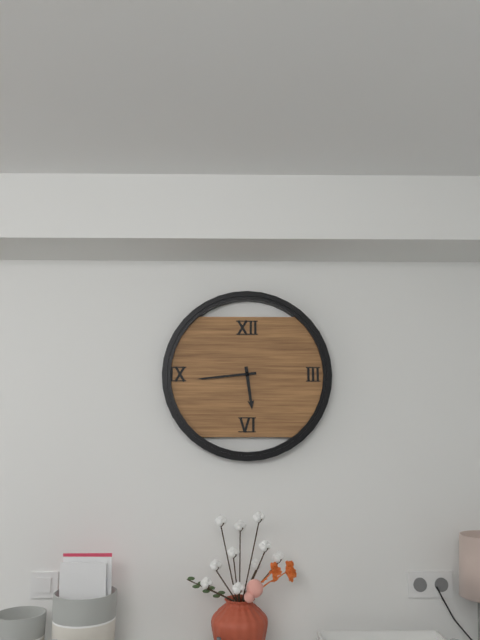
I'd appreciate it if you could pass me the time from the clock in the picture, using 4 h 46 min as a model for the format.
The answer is 5 h 44 min
